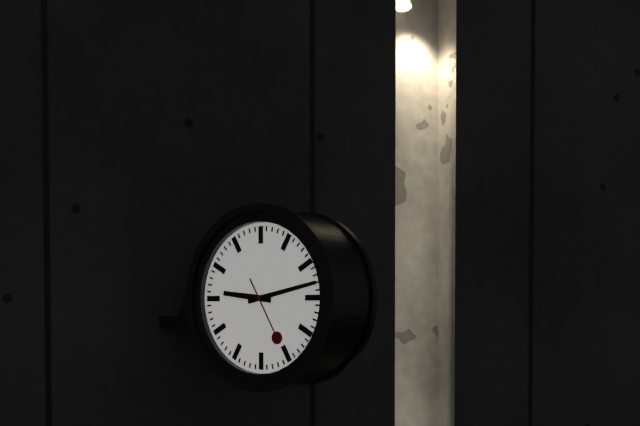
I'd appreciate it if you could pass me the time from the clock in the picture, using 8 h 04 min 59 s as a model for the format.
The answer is 9 h 13 min 25 s
